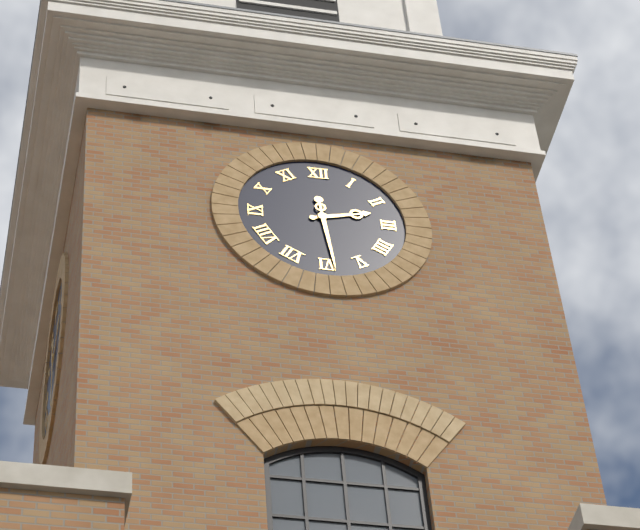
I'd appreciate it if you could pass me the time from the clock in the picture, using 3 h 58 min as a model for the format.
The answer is 2 h 29 min
